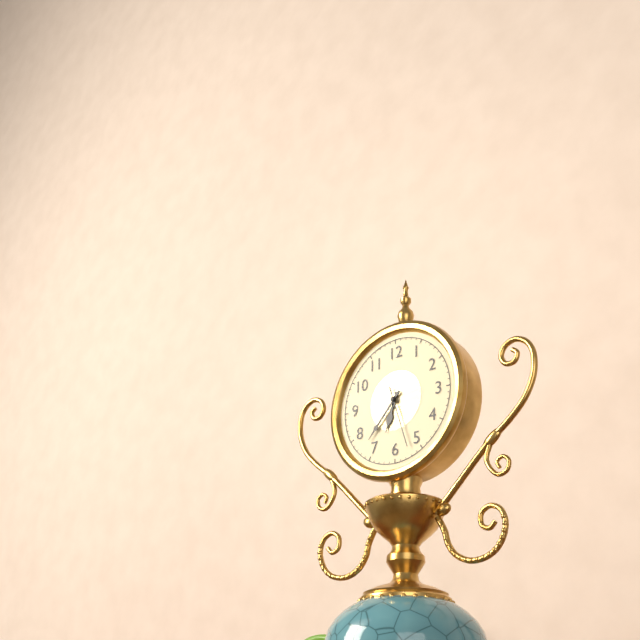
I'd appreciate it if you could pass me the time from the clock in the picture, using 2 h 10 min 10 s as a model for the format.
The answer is 6 h 37 min 27 s
